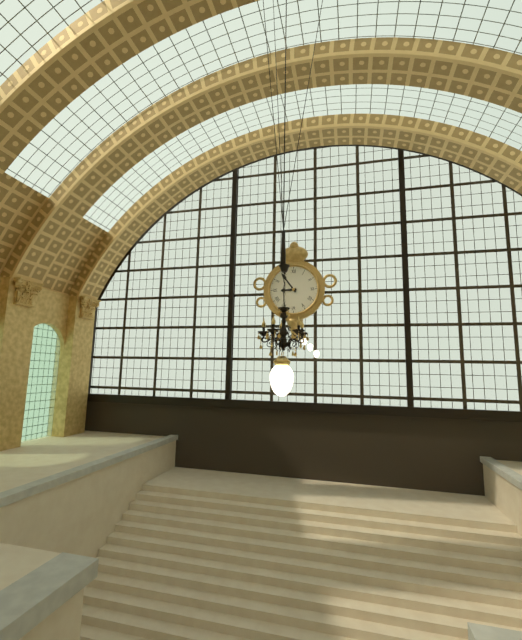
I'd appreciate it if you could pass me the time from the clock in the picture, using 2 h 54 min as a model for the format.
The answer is 8 h 54 min
